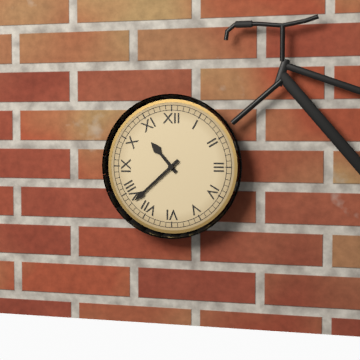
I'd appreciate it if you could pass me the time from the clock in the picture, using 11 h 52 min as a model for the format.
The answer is 10 h 38 min
